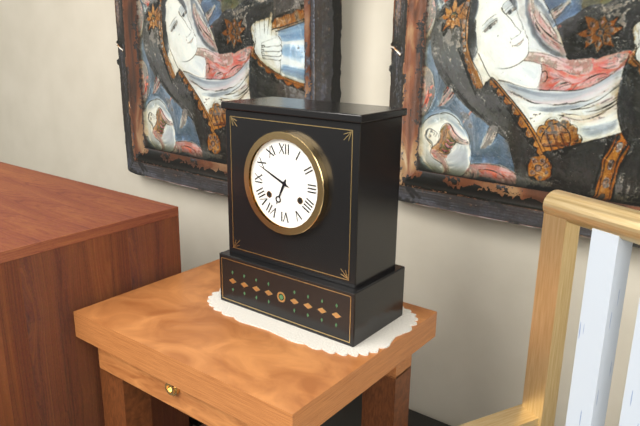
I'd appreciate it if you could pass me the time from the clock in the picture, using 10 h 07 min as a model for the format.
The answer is 6 h 49 min
